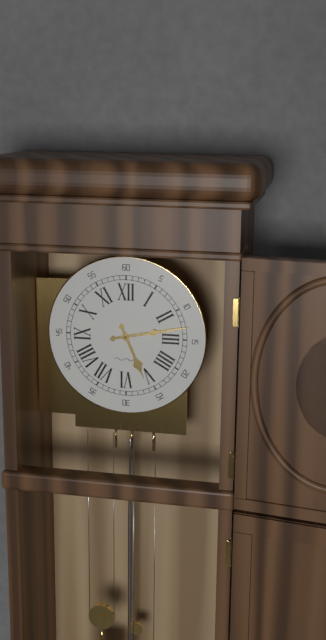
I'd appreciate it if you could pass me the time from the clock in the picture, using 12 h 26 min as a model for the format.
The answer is 5 h 13 min
